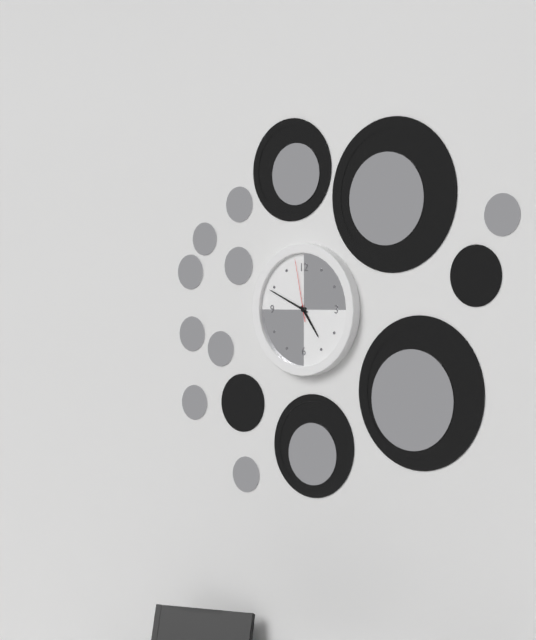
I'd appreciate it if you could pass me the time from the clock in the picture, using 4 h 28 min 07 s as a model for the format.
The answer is 4 h 49 min 58 s
